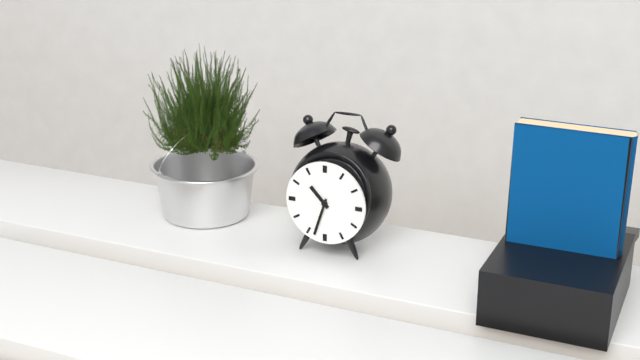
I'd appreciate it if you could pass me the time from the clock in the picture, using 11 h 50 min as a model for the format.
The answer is 10 h 33 min
